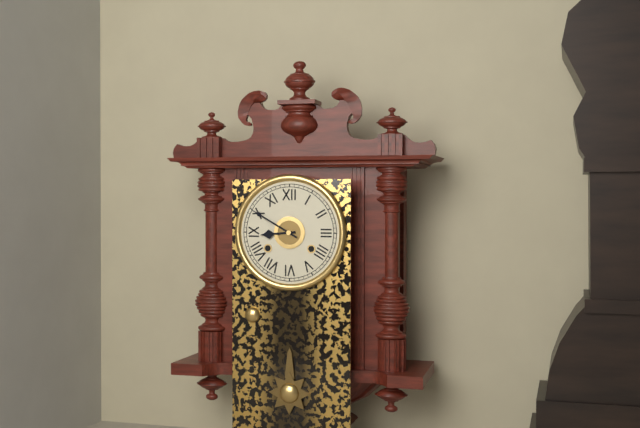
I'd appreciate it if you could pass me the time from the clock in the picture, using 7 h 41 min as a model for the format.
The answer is 8 h 50 min
